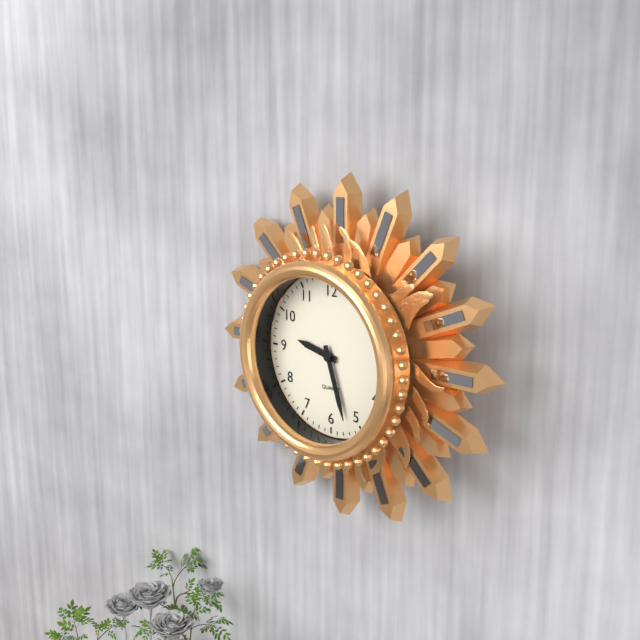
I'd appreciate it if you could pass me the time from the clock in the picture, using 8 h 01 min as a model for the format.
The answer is 9 h 27 min
